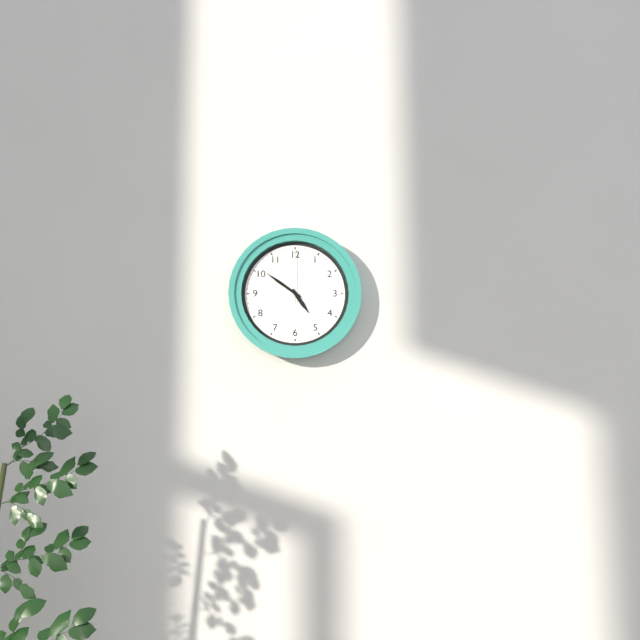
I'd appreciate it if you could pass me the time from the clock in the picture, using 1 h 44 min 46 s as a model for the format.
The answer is 4 h 51 min 00 s
